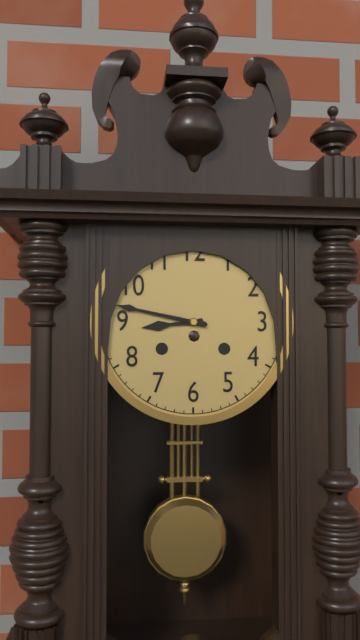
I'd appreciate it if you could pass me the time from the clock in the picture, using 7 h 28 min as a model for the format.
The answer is 8 h 47 min
